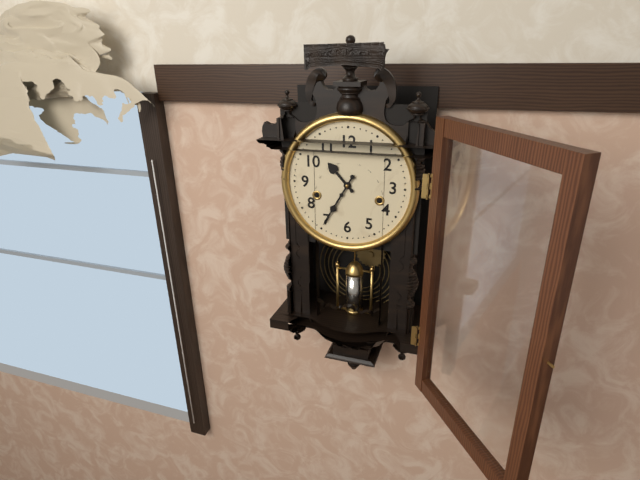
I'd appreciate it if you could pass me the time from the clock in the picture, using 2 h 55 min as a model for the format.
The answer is 10 h 35 min
